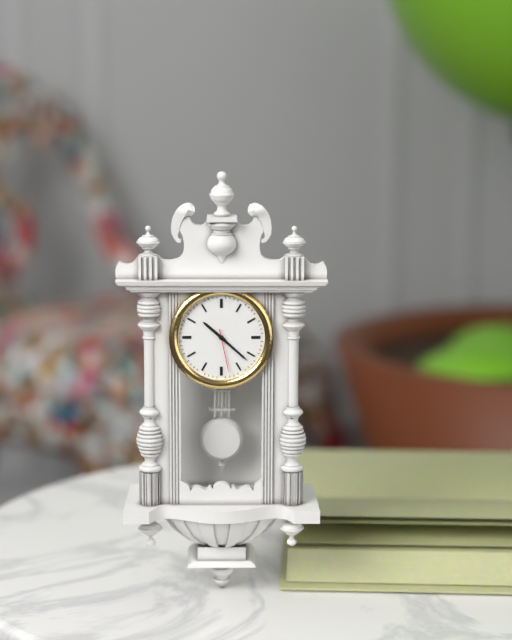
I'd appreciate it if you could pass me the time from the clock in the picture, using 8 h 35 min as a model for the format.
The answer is 10 h 22 min
